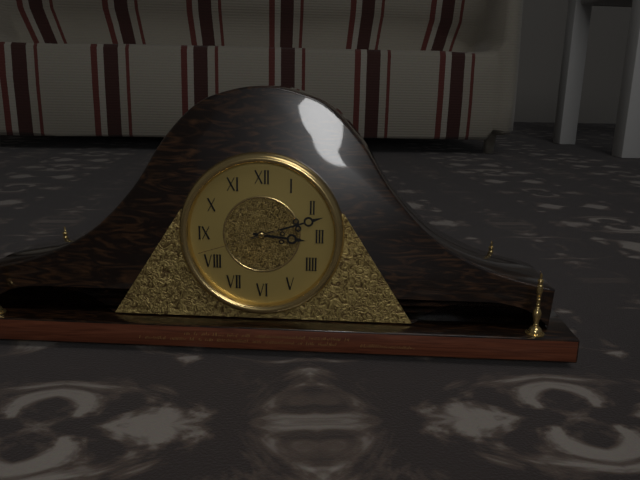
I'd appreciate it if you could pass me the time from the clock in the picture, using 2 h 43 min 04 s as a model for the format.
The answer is 3 h 12 min 42 s
